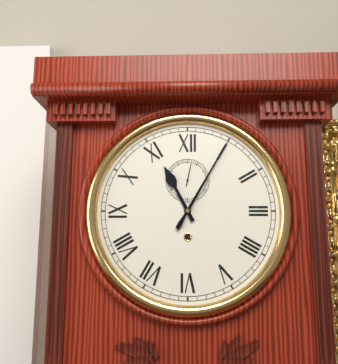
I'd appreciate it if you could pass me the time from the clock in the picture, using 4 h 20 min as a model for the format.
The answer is 11 h 05 min
